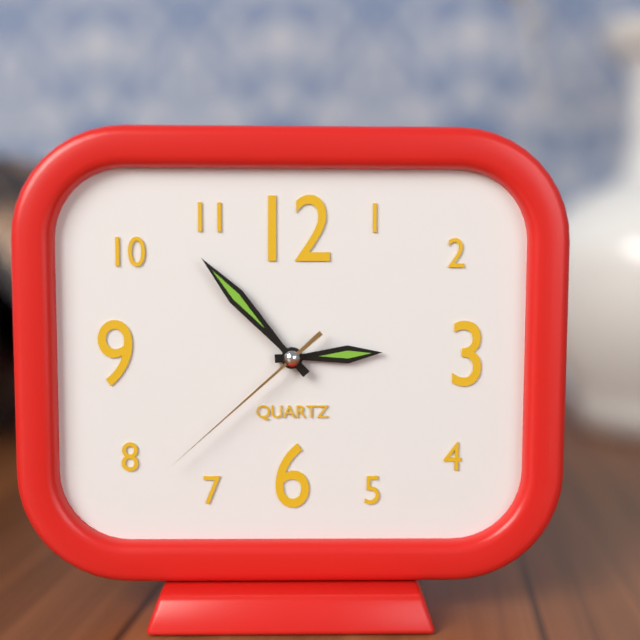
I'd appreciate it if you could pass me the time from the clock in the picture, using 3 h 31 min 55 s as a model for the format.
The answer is 2 h 53 min 38 s
